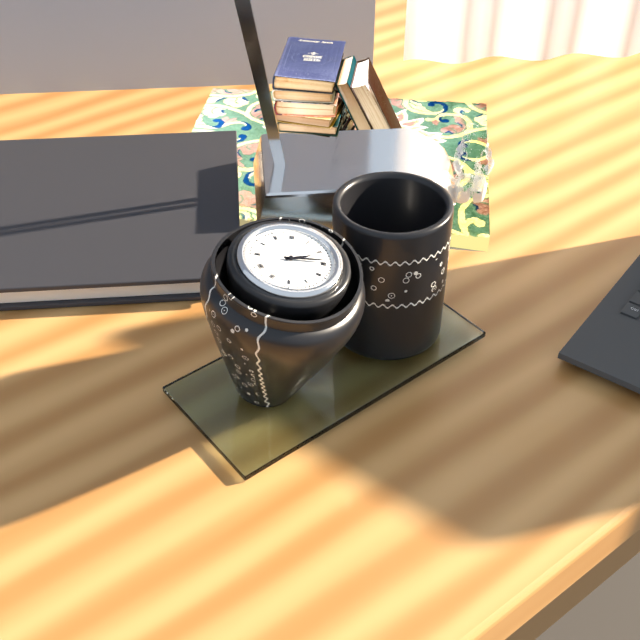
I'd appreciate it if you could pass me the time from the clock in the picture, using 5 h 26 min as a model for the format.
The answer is 2 h 14 min
